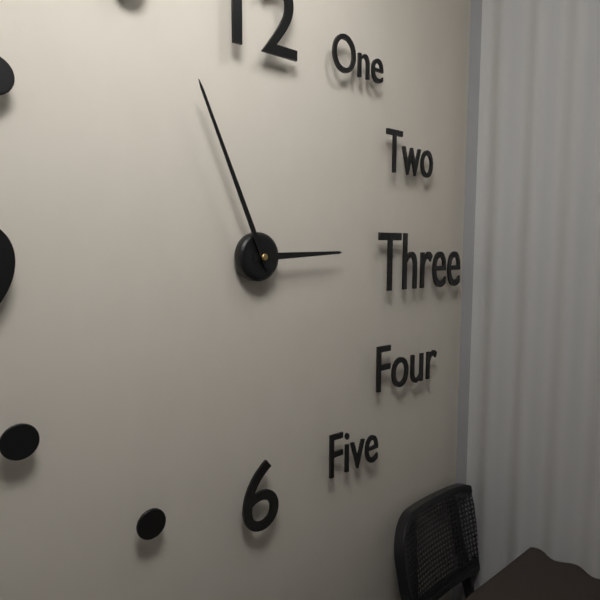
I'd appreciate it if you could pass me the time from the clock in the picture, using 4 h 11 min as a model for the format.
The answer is 2 h 56 min
